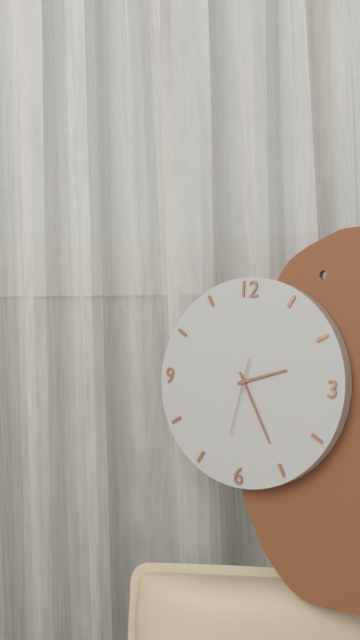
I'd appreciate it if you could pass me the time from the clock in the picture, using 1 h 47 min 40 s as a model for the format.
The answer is 2 h 25 min 32 s
